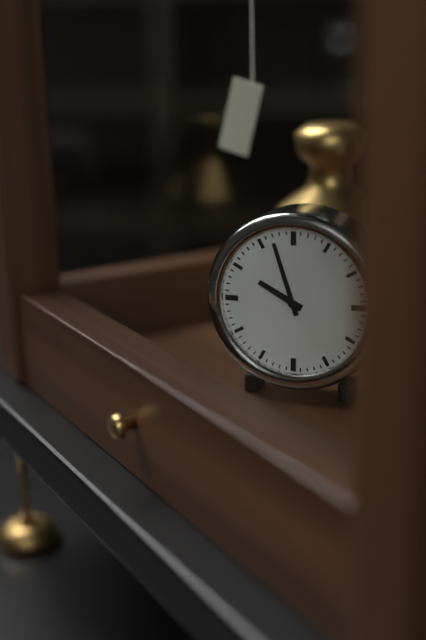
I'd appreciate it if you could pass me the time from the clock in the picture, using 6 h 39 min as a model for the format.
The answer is 9 h 57 min
